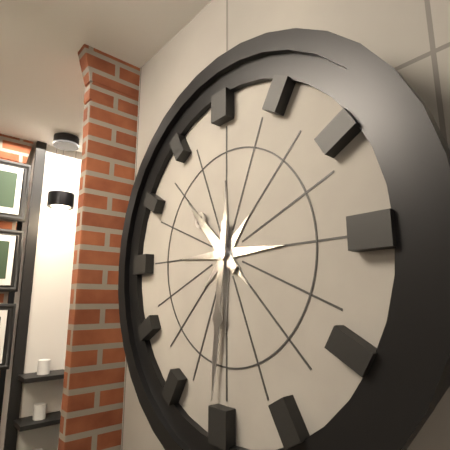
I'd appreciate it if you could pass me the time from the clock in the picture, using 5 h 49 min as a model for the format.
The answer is 10 h 31 min
